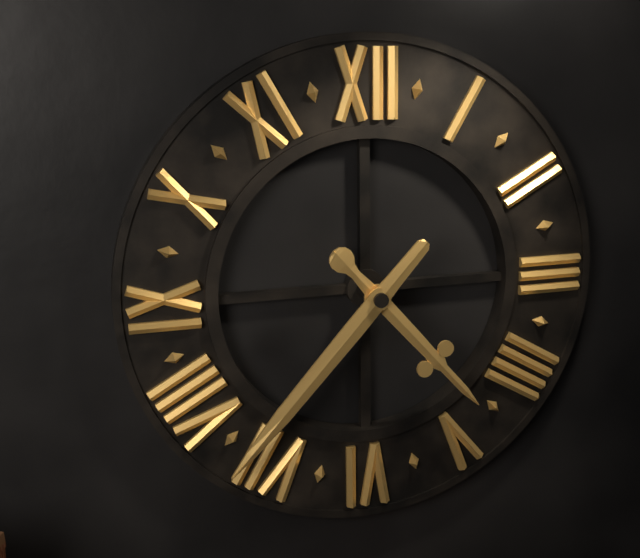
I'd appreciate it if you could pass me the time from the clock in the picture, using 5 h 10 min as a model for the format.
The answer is 4 h 37 min
